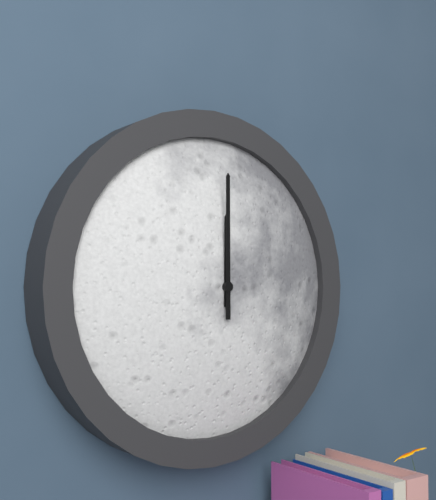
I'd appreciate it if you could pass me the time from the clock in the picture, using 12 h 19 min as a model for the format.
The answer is 12 h 00 min
